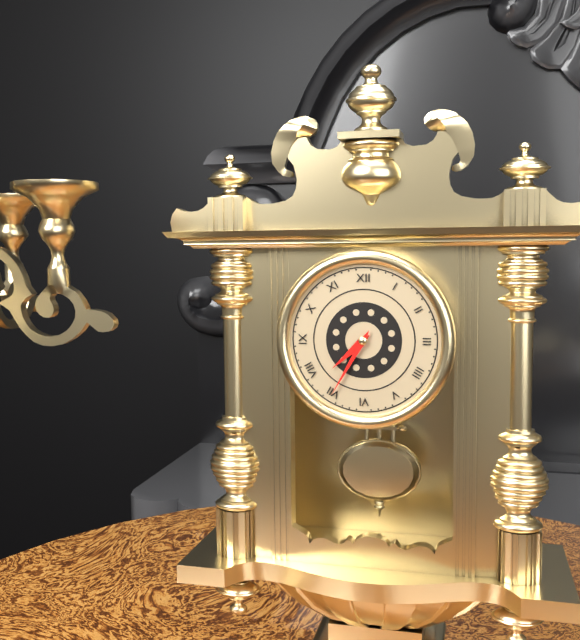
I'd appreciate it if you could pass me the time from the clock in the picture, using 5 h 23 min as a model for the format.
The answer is 7 h 35 min
